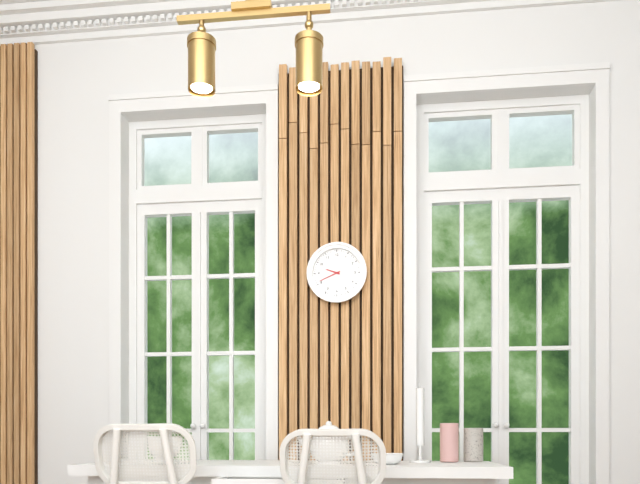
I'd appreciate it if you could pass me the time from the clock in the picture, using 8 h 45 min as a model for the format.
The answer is 9 h 41 min
